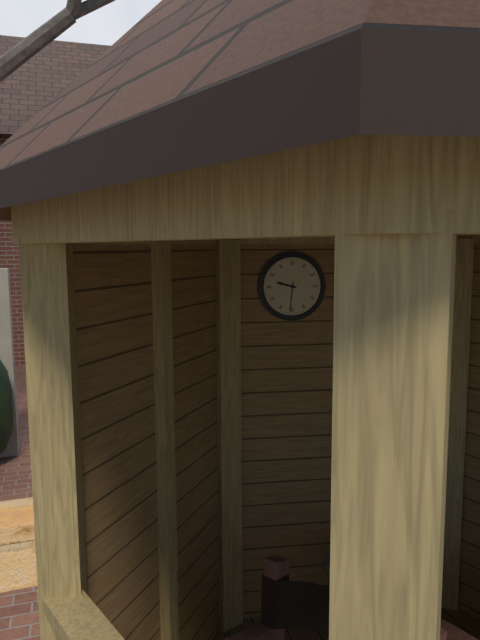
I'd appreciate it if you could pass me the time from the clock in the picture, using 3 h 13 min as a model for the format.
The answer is 9 h 31 min
